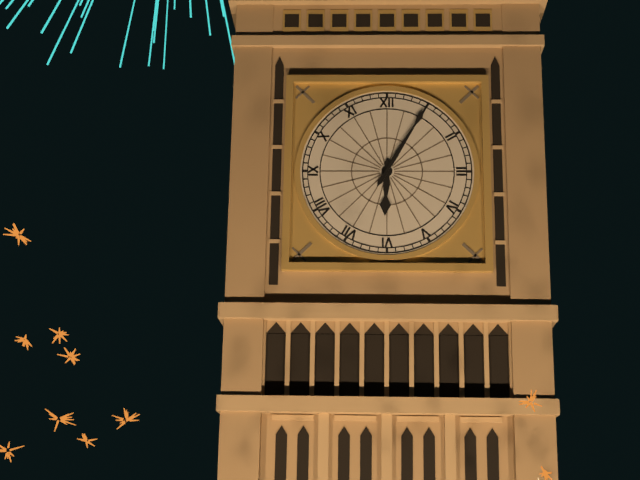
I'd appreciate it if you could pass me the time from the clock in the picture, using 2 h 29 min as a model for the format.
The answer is 6 h 05 min
